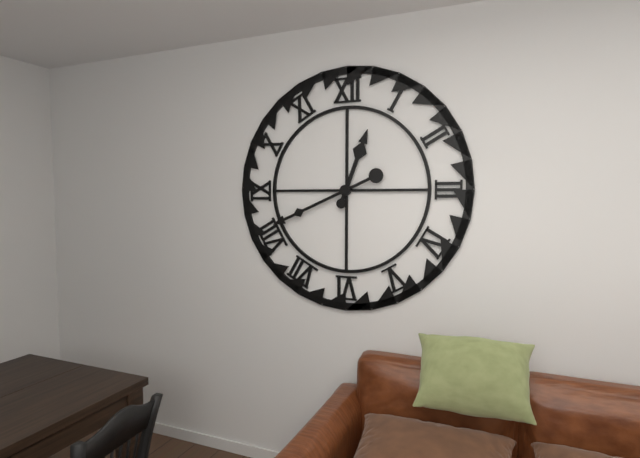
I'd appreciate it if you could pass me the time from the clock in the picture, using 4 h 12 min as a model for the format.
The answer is 12 h 41 min
